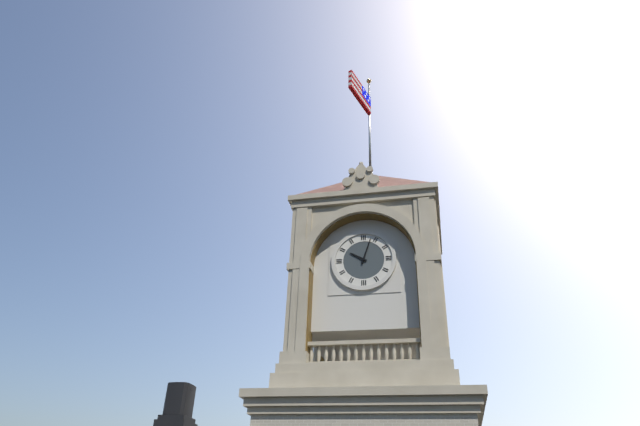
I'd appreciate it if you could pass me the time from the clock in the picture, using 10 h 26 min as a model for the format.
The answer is 10 h 03 min
